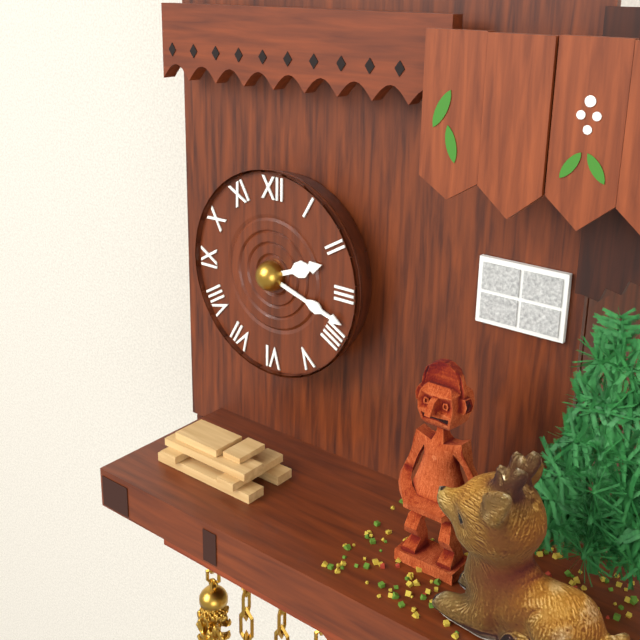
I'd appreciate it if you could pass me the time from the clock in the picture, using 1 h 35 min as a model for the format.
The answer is 2 h 18 min
